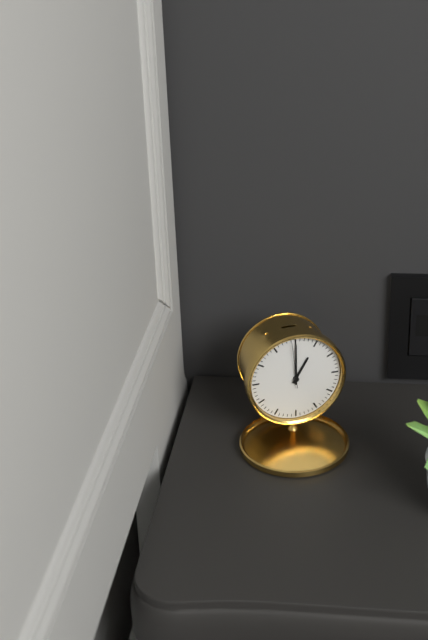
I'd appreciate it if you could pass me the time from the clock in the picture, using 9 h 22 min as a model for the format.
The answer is 1 h 00 min
